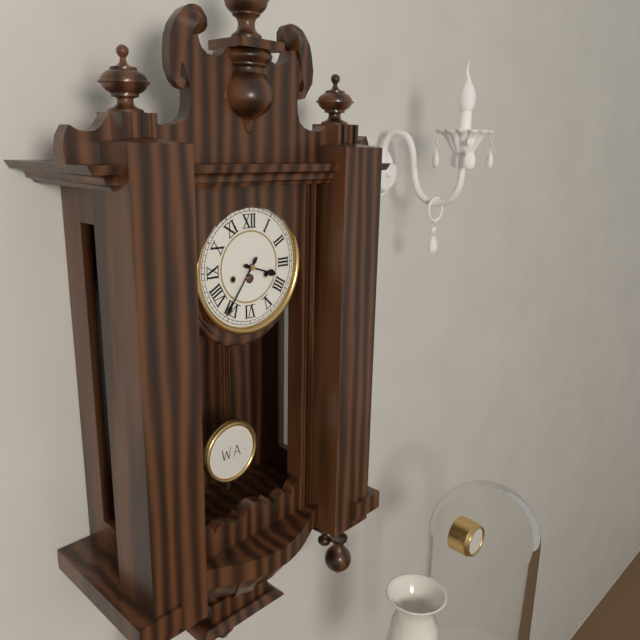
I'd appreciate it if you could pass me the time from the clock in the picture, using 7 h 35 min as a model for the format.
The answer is 3 h 36 min
